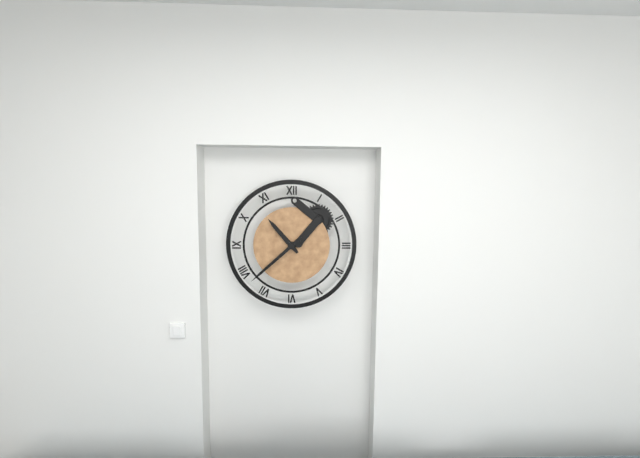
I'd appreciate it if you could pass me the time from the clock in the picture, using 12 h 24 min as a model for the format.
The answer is 10 h 38 min
